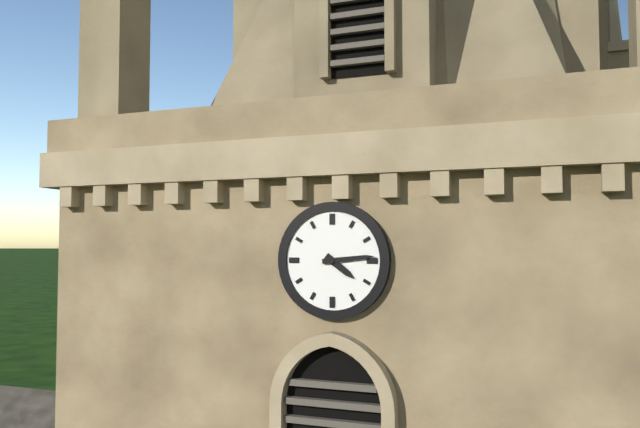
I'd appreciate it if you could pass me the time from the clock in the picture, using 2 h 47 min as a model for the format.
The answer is 4 h 14 min
